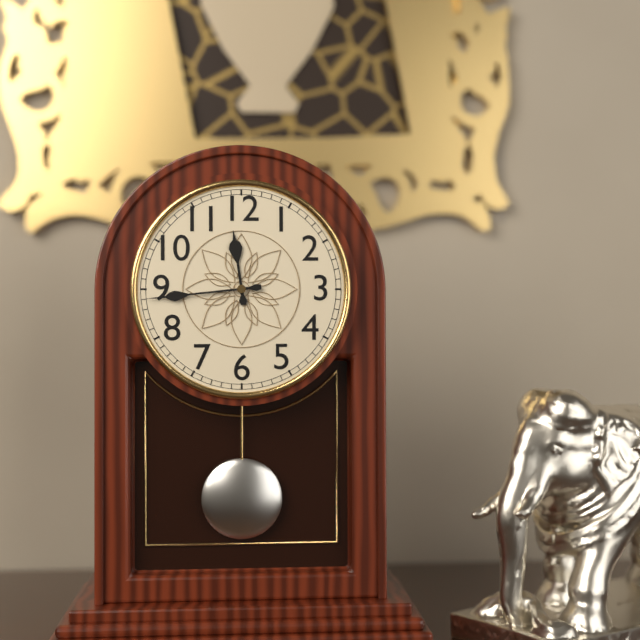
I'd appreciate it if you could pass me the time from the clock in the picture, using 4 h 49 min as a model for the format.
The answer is 11 h 44 min
